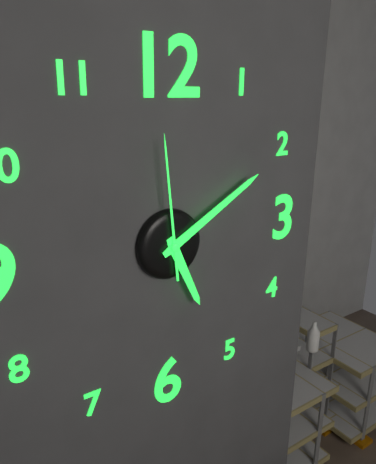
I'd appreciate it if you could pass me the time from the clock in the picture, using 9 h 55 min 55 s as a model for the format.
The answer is 5 h 10 min 59 s
